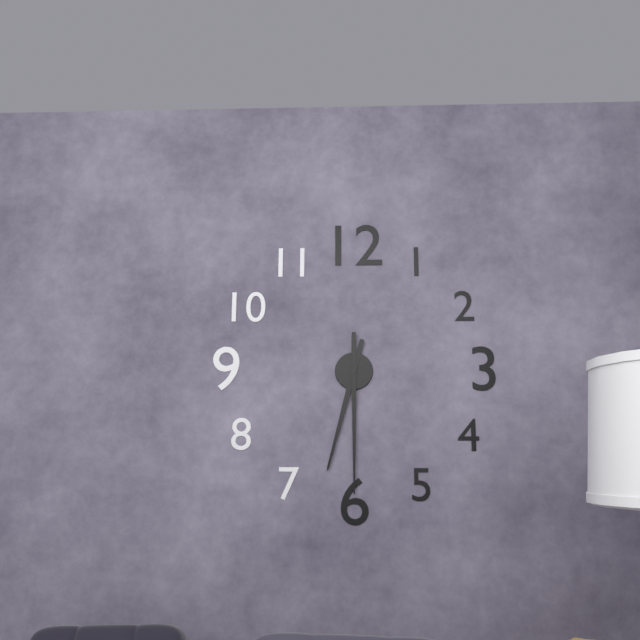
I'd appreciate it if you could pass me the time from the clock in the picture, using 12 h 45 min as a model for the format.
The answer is 6 h 30 min
